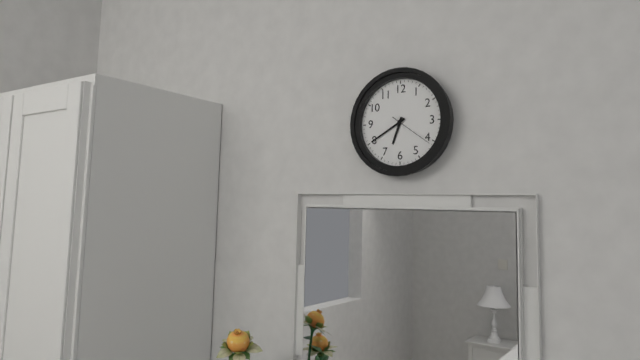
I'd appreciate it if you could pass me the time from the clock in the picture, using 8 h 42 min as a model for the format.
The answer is 6 h 40 min
